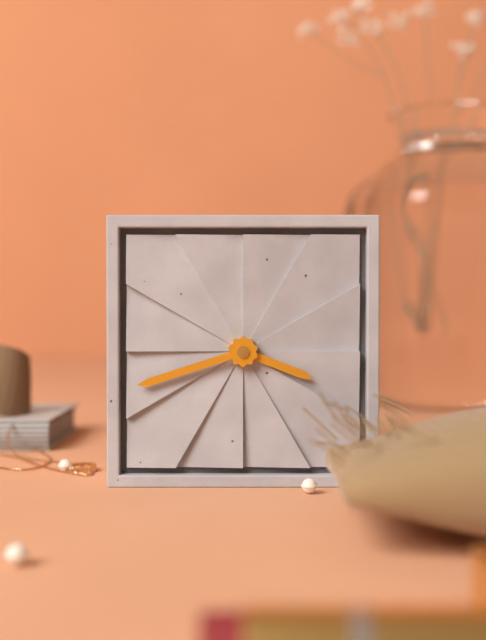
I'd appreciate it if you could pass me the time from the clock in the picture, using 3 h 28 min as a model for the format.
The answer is 3 h 42 min
